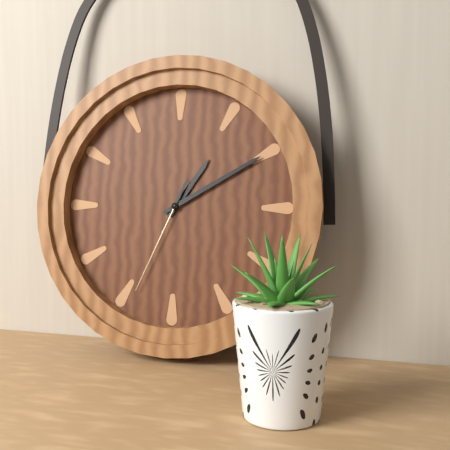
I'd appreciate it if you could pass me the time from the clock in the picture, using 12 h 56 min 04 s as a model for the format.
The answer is 1 h 10 min 34 s
